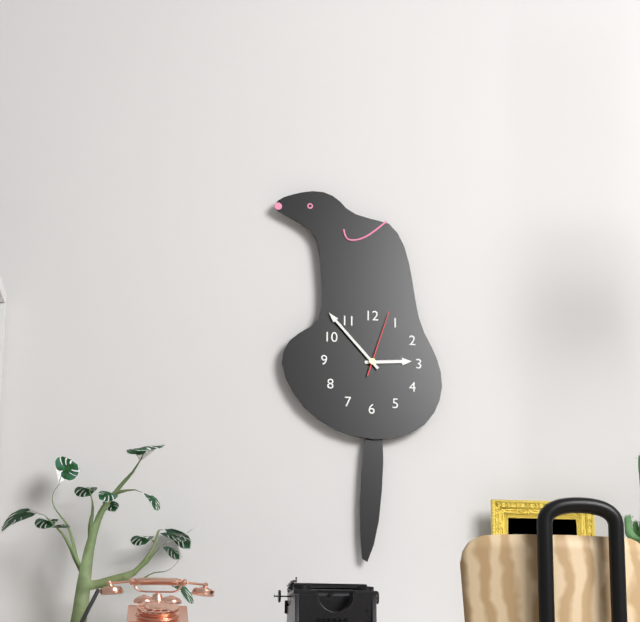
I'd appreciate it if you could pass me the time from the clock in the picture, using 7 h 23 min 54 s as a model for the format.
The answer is 2 h 53 min 03 s
